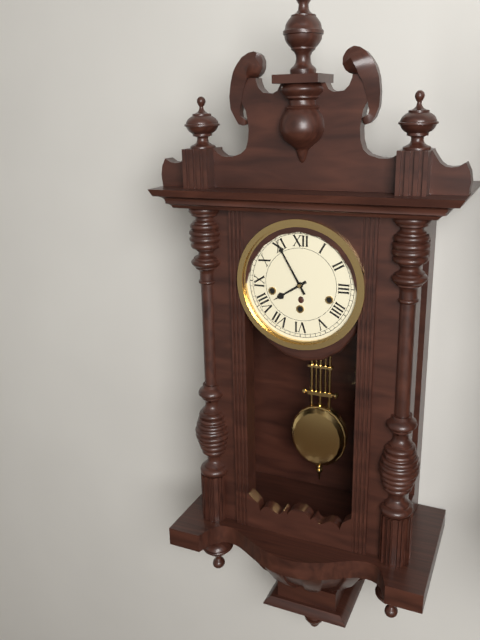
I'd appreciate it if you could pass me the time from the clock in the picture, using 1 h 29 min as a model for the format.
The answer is 7 h 55 min
